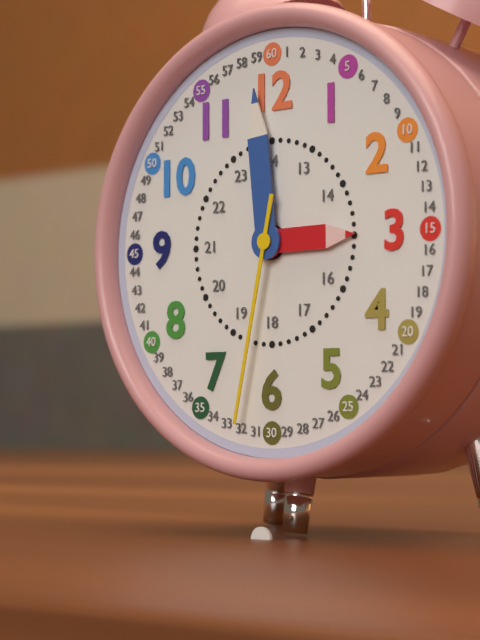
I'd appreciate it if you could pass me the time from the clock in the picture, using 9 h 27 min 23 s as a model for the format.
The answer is 2 h 59 min 32 s
